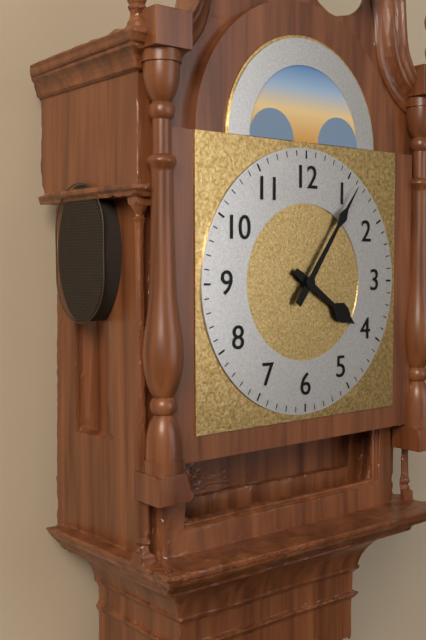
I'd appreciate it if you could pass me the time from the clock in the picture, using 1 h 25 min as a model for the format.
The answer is 4 h 06 min
